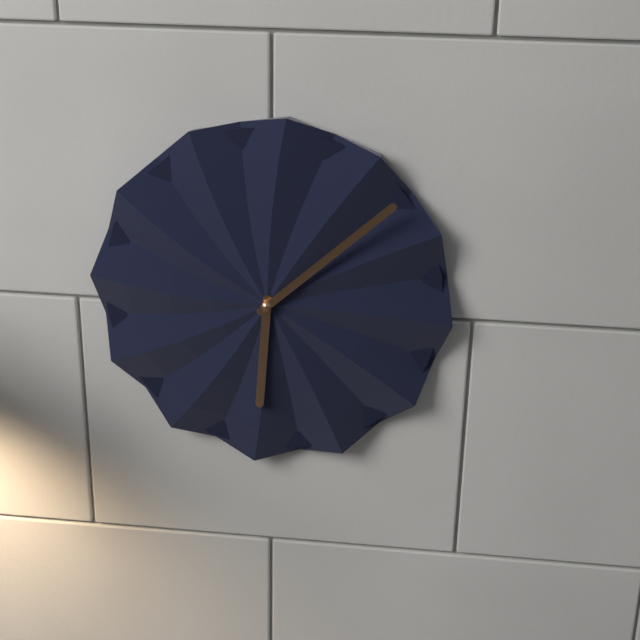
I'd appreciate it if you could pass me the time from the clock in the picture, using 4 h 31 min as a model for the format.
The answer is 6 h 08 min
